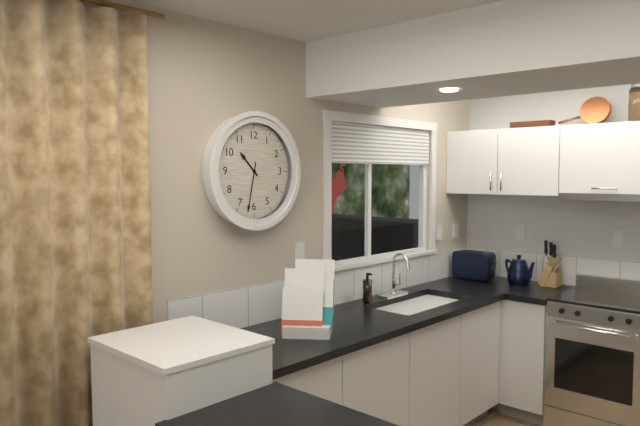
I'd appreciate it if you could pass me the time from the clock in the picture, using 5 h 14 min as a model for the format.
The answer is 10 h 32 min
